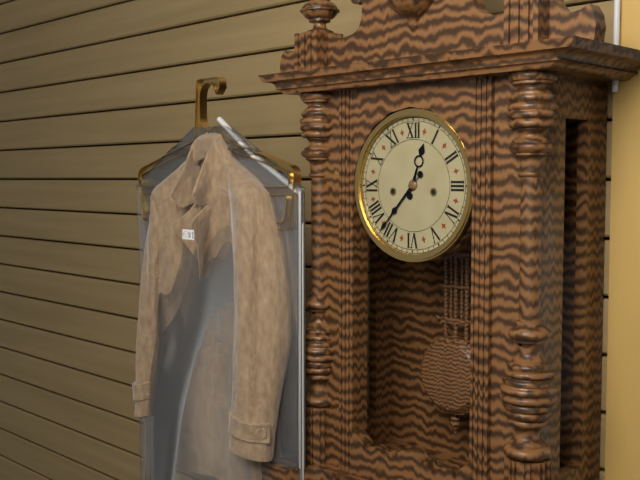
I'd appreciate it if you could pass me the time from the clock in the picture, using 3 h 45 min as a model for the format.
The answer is 12 h 37 min
